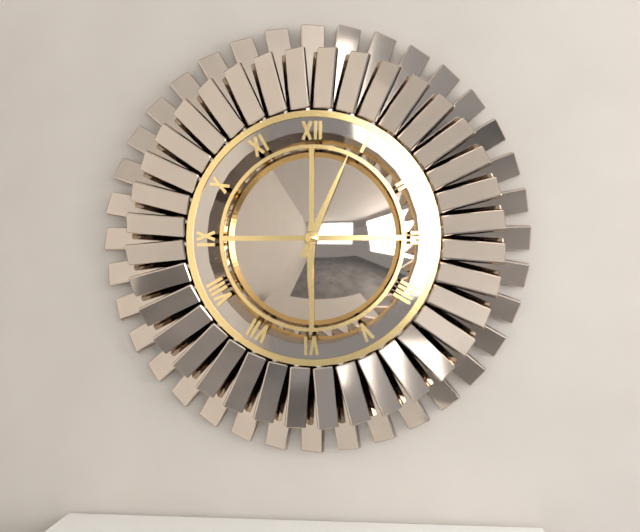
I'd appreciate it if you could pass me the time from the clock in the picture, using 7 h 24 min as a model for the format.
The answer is 6 h 04 min
